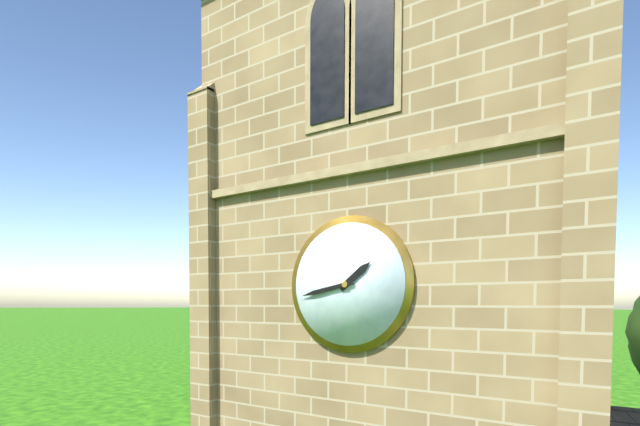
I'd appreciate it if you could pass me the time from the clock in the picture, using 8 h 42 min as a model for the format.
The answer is 1 h 43 min
